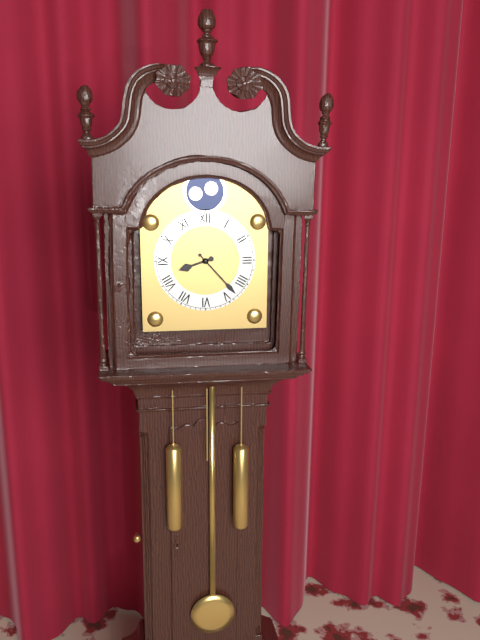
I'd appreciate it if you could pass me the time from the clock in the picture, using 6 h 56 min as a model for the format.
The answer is 8 h 23 min
